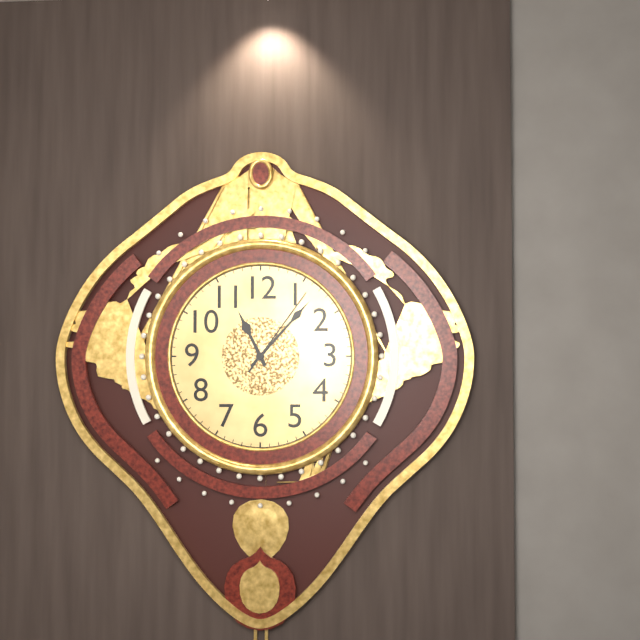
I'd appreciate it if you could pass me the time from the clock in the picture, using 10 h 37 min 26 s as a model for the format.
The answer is 11 h 07 min 06 s
